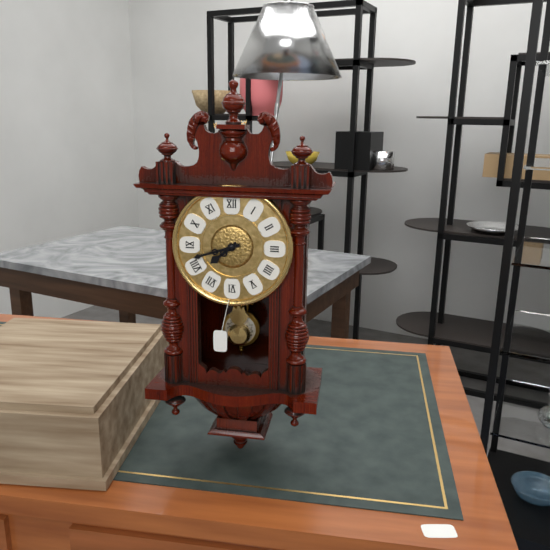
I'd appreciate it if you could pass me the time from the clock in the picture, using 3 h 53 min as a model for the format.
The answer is 7 h 42 min
